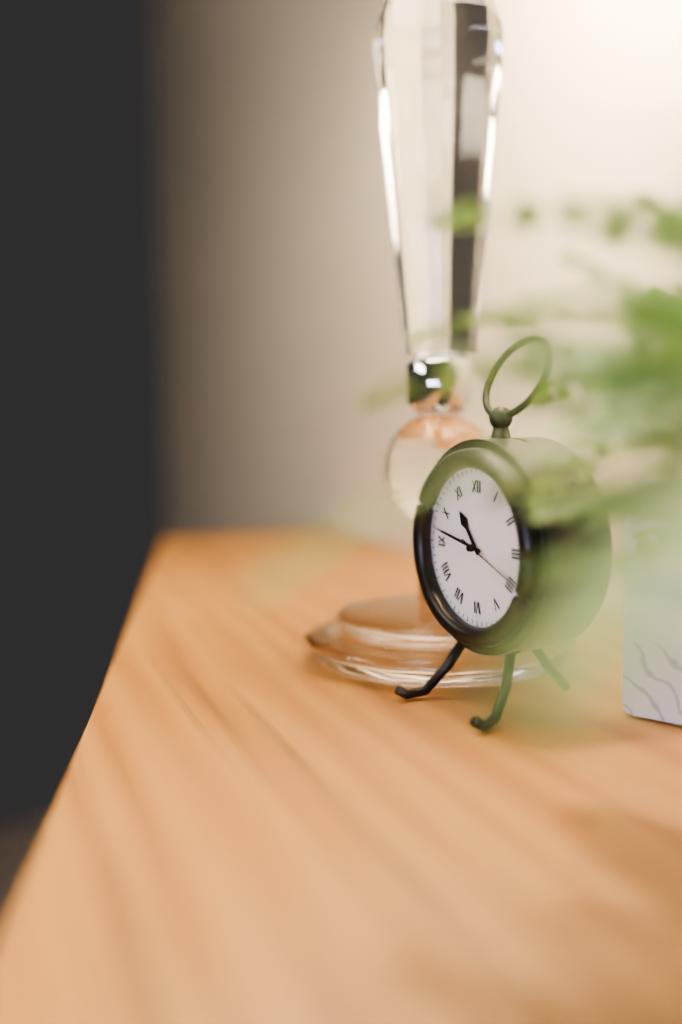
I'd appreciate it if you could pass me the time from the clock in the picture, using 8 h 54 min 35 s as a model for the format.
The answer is 10 h 47 min 19 s
